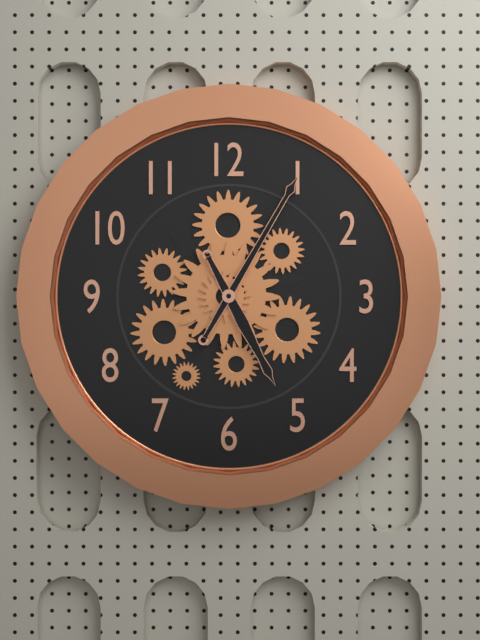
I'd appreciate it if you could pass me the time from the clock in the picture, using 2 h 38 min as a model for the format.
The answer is 5 h 05 min
